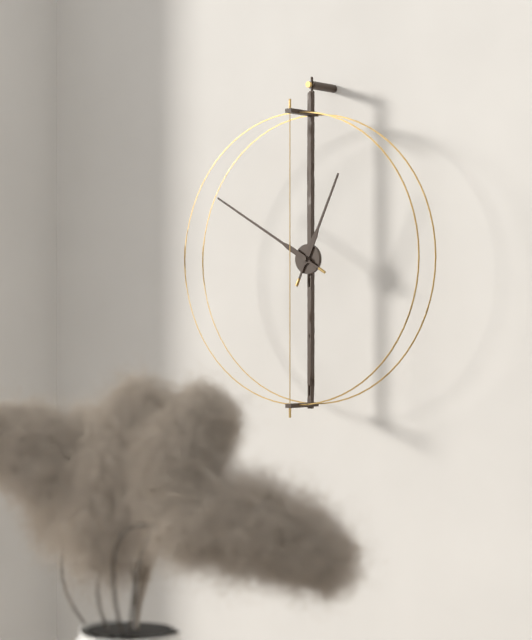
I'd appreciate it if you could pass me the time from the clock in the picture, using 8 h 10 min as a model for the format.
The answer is 12 h 50 min
